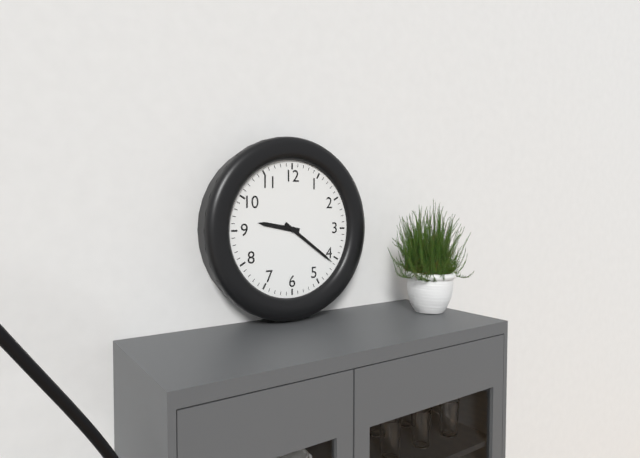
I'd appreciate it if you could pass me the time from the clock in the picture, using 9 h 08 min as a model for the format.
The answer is 9 h 21 min
